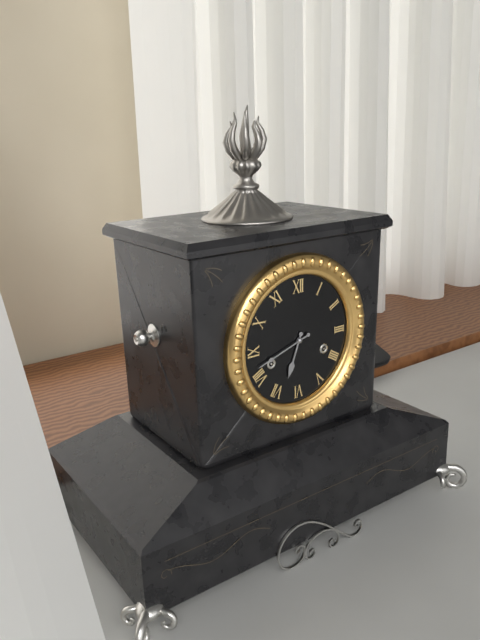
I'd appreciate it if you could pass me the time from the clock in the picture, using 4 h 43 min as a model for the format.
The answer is 6 h 42 min
